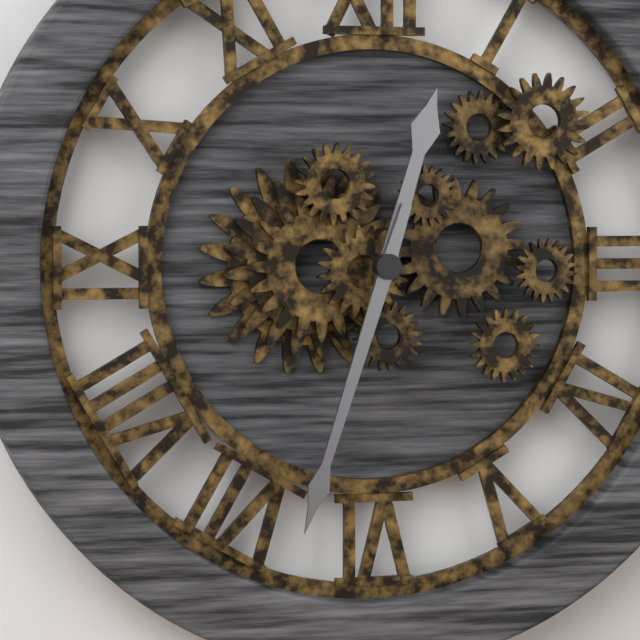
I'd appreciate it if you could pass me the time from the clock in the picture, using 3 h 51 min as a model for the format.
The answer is 12 h 33 min
